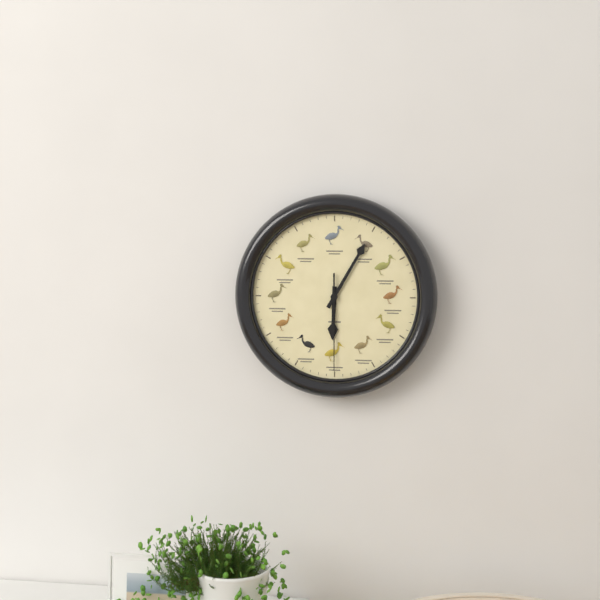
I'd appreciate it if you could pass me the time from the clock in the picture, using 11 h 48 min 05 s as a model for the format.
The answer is 6 h 05 min 30 s
